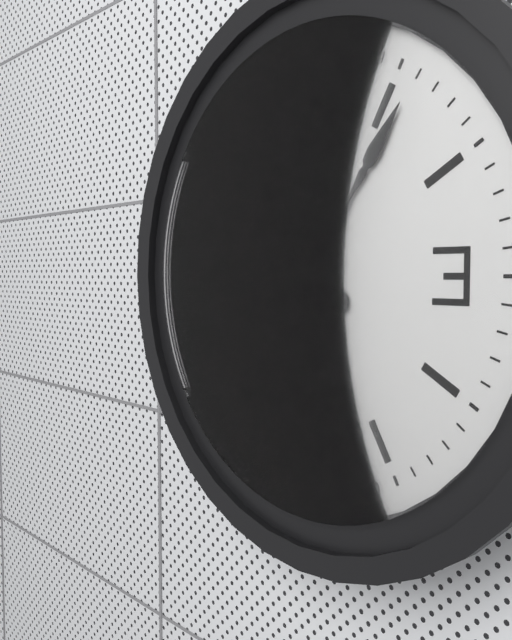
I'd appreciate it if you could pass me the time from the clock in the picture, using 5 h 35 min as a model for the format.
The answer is 10 h 06 min
